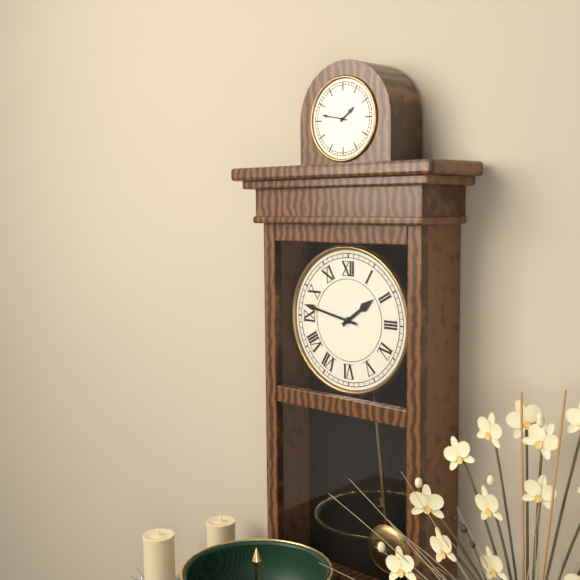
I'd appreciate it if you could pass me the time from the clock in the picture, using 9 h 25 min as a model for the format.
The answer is 1 h 47 min
